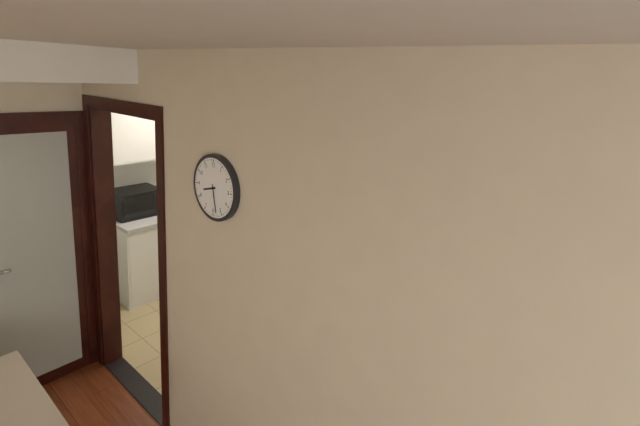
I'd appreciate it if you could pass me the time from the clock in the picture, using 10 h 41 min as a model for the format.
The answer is 8 h 28 min
